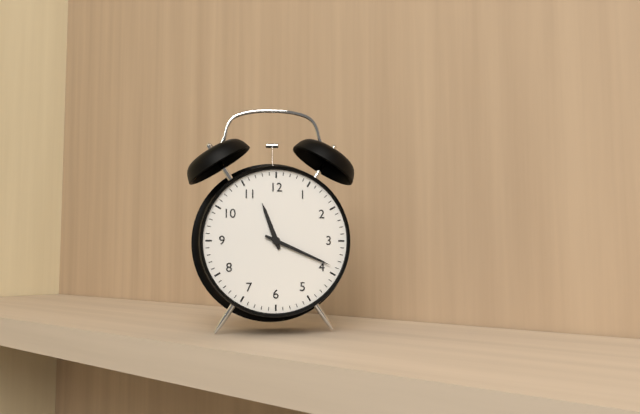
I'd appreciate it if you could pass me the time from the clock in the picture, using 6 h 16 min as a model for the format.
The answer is 11 h 19 min
